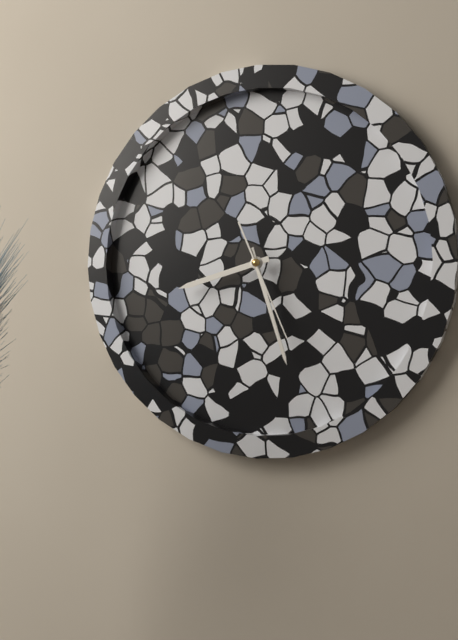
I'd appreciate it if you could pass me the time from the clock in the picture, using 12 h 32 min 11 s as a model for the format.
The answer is 8 h 27 min 26 s
